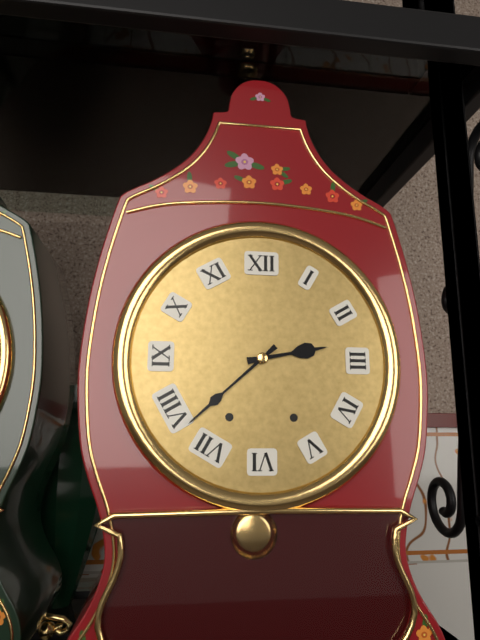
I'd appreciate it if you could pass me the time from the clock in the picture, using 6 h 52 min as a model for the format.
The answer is 2 h 38 min
